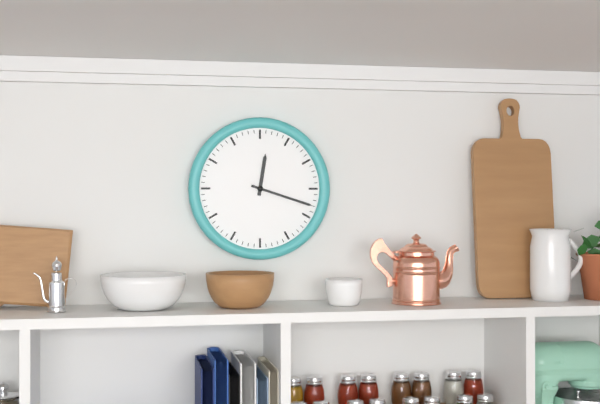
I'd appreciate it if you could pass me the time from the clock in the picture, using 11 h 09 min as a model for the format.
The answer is 12 h 18 min
